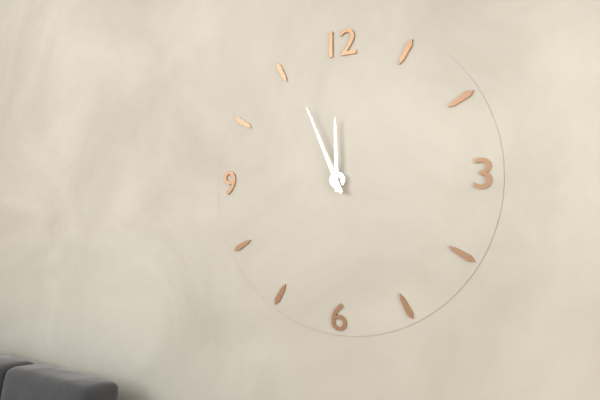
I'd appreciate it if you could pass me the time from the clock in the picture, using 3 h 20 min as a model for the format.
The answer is 11 h 56 min
